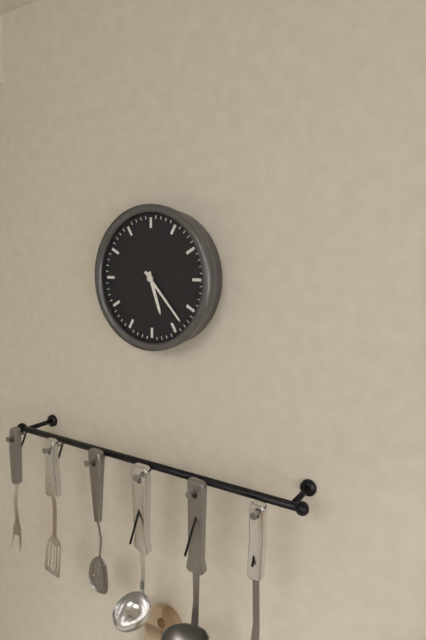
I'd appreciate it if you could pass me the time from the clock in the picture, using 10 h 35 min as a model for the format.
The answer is 5 h 23 min
